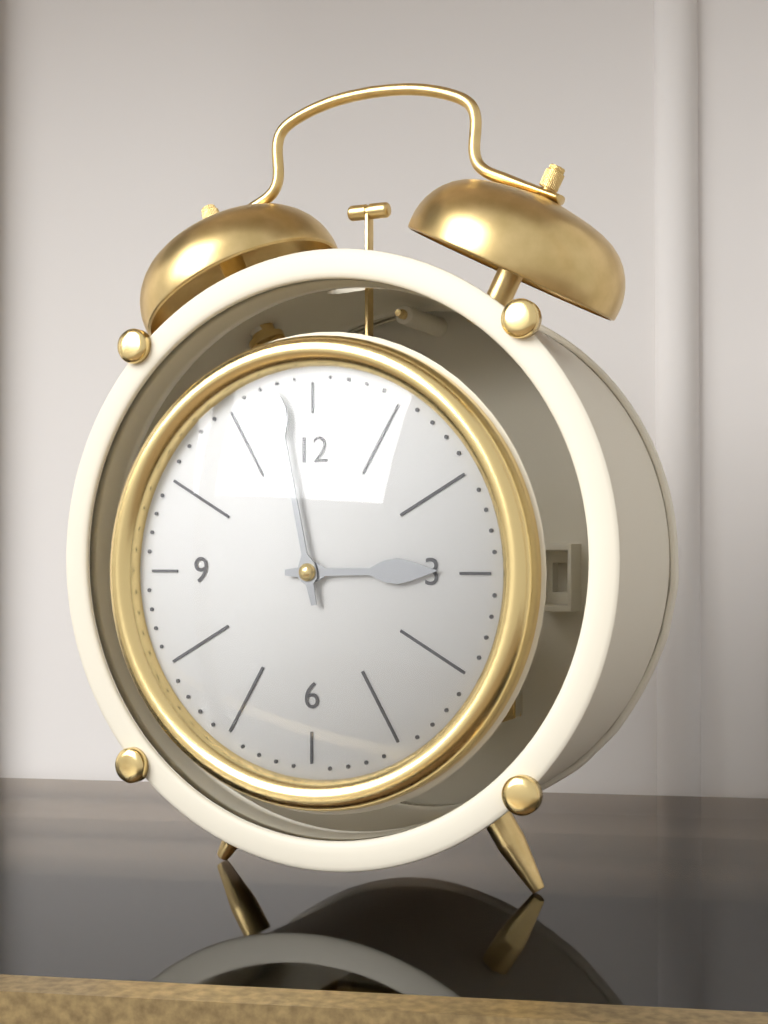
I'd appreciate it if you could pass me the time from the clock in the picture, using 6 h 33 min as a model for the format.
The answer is 2 h 58 min
